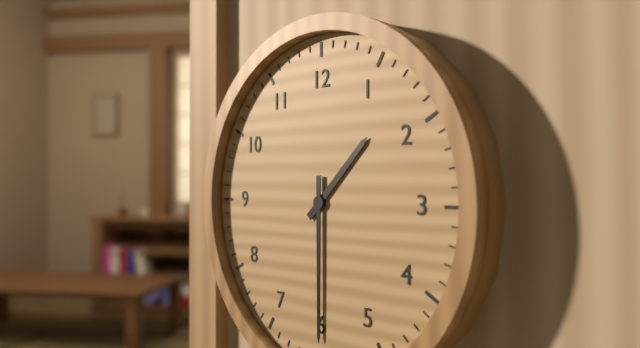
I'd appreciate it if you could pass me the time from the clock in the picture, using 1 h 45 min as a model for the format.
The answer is 1 h 30 min
